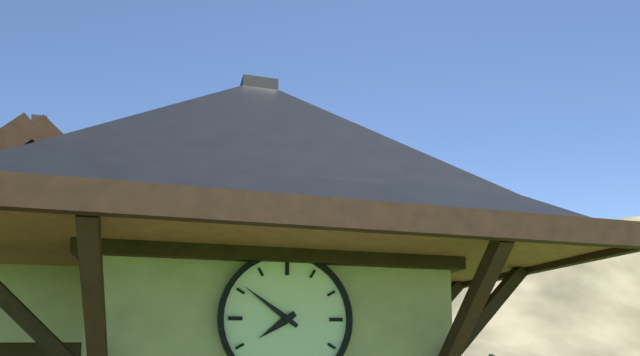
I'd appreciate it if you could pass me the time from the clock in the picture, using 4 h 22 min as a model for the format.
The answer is 7 h 51 min
